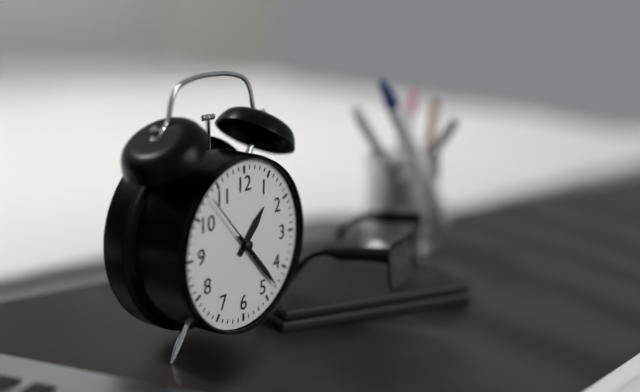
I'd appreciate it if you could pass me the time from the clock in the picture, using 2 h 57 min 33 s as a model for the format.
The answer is 1 h 23 min 53 s
